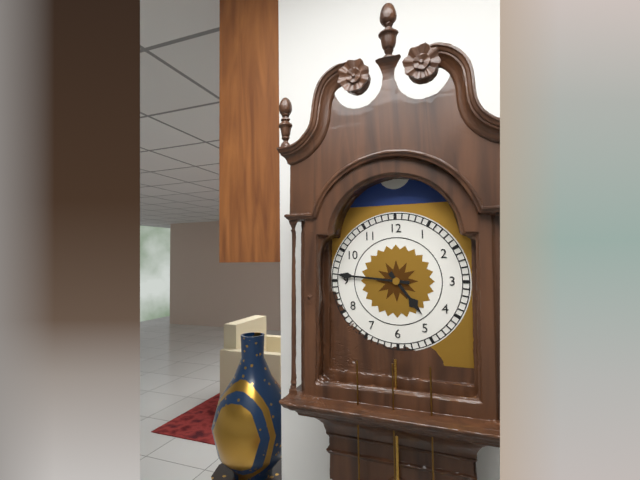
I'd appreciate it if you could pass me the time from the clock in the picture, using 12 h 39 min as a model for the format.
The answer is 4 h 46 min
